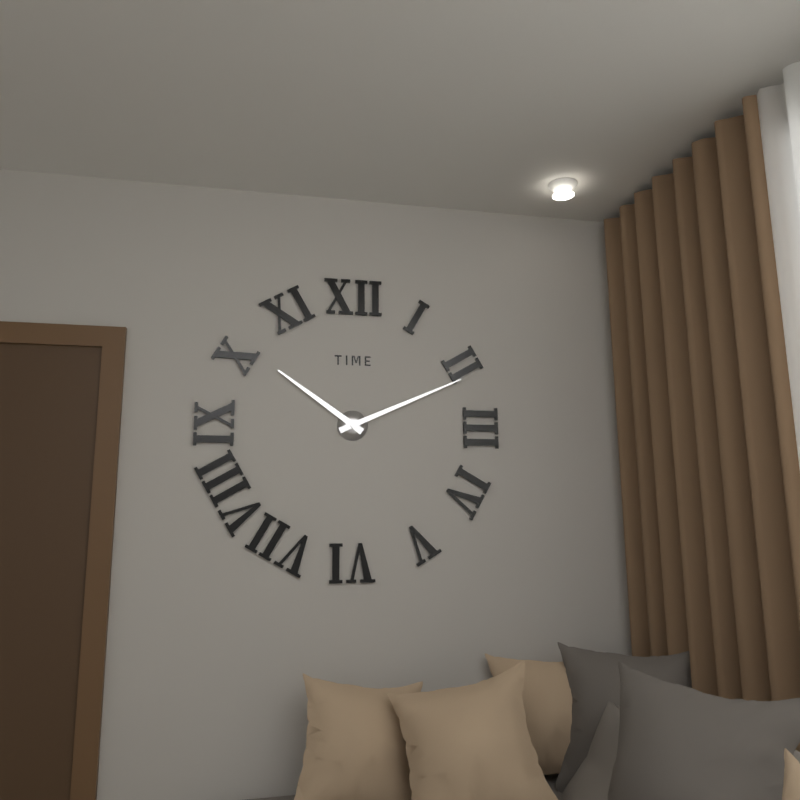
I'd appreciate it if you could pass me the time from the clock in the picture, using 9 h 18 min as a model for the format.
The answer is 10 h 11 min
